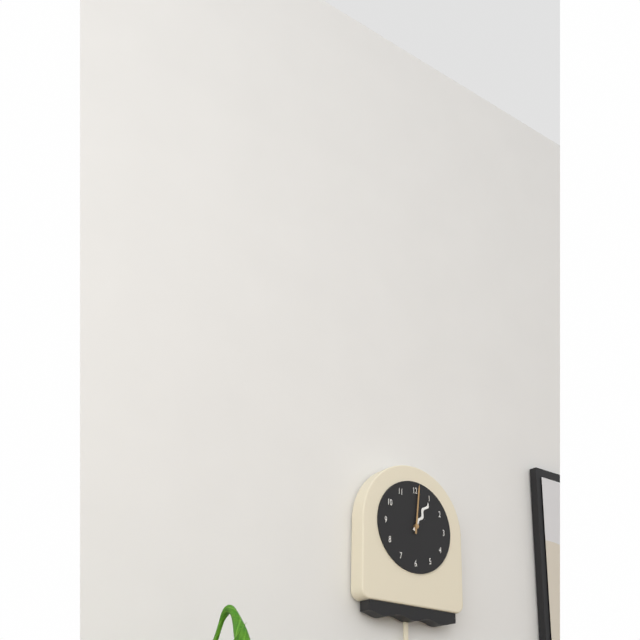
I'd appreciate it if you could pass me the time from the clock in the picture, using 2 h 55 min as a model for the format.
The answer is 1 h 01 min
